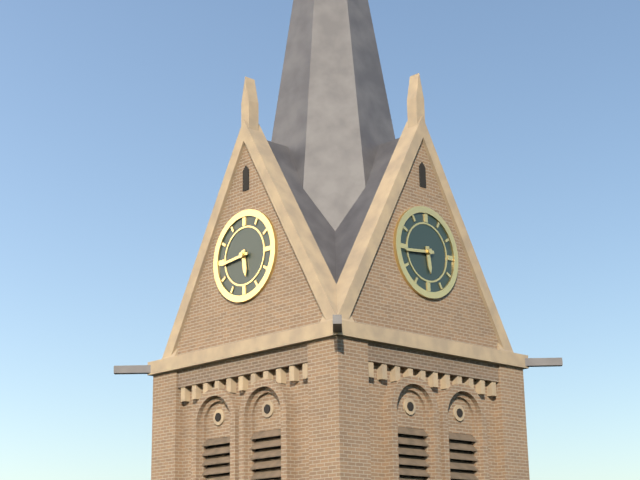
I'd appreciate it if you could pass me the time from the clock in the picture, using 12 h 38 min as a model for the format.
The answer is 5 h 44 min
